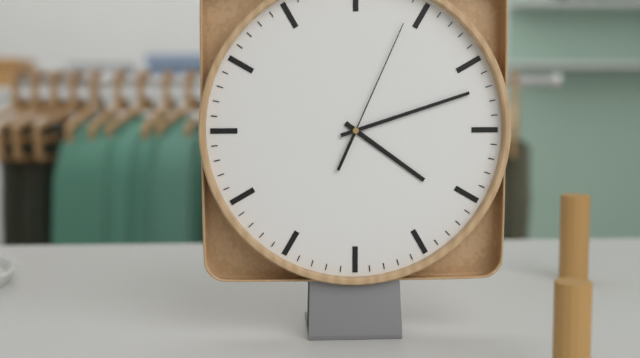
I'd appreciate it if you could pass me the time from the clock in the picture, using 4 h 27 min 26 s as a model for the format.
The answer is 4 h 12 min 04 s
